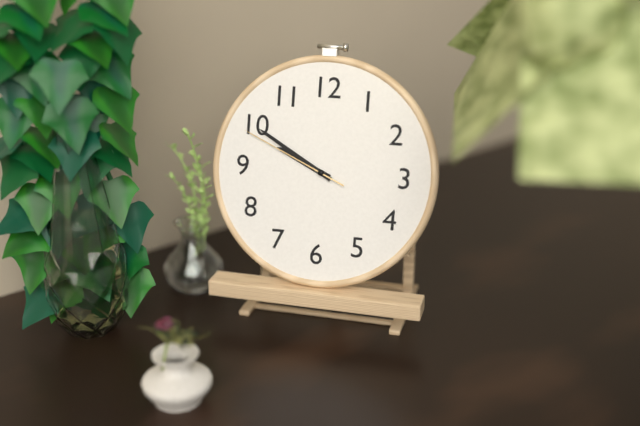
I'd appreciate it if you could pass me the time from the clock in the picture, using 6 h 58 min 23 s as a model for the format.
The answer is 9 h 50 min 49 s
